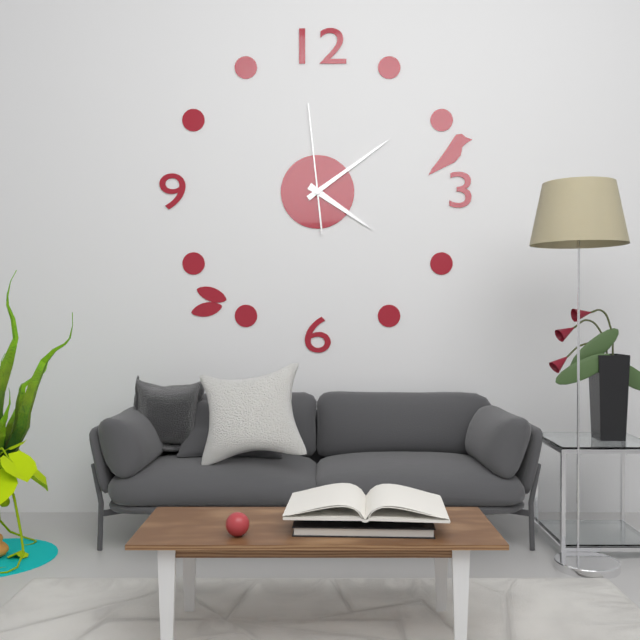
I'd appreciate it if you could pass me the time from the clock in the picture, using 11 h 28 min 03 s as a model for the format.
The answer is 4 h 09 min 59 s
